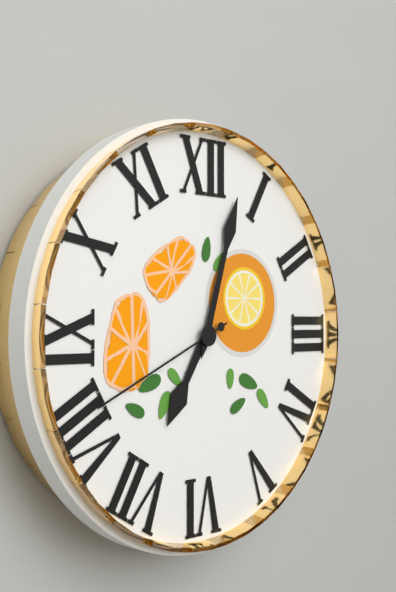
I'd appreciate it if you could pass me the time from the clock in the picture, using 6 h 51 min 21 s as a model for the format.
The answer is 7 h 03 min 41 s
